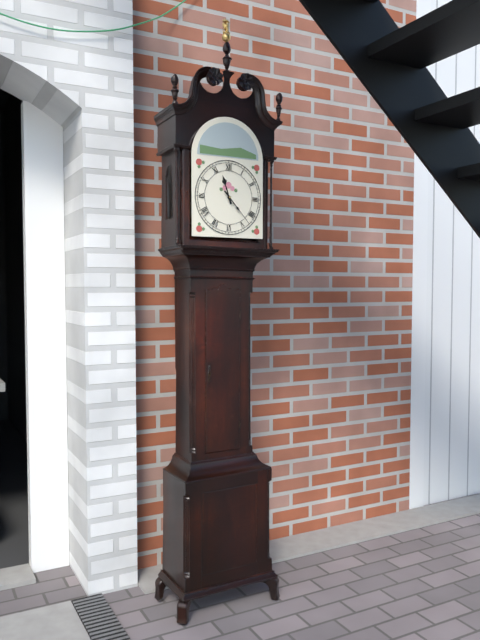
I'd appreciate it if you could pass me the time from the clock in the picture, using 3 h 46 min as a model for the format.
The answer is 11 h 23 min
